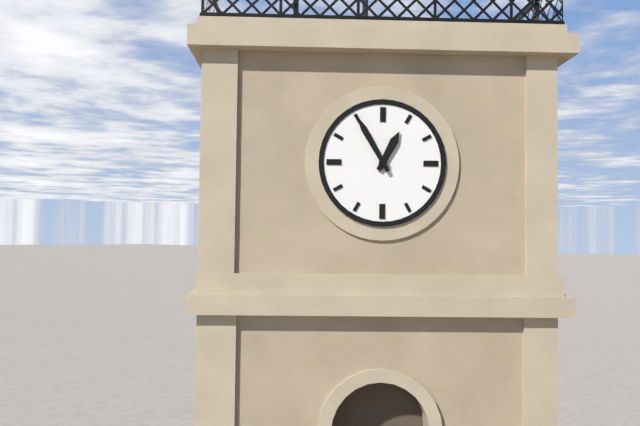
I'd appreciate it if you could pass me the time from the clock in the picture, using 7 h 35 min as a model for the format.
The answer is 12 h 55 min
